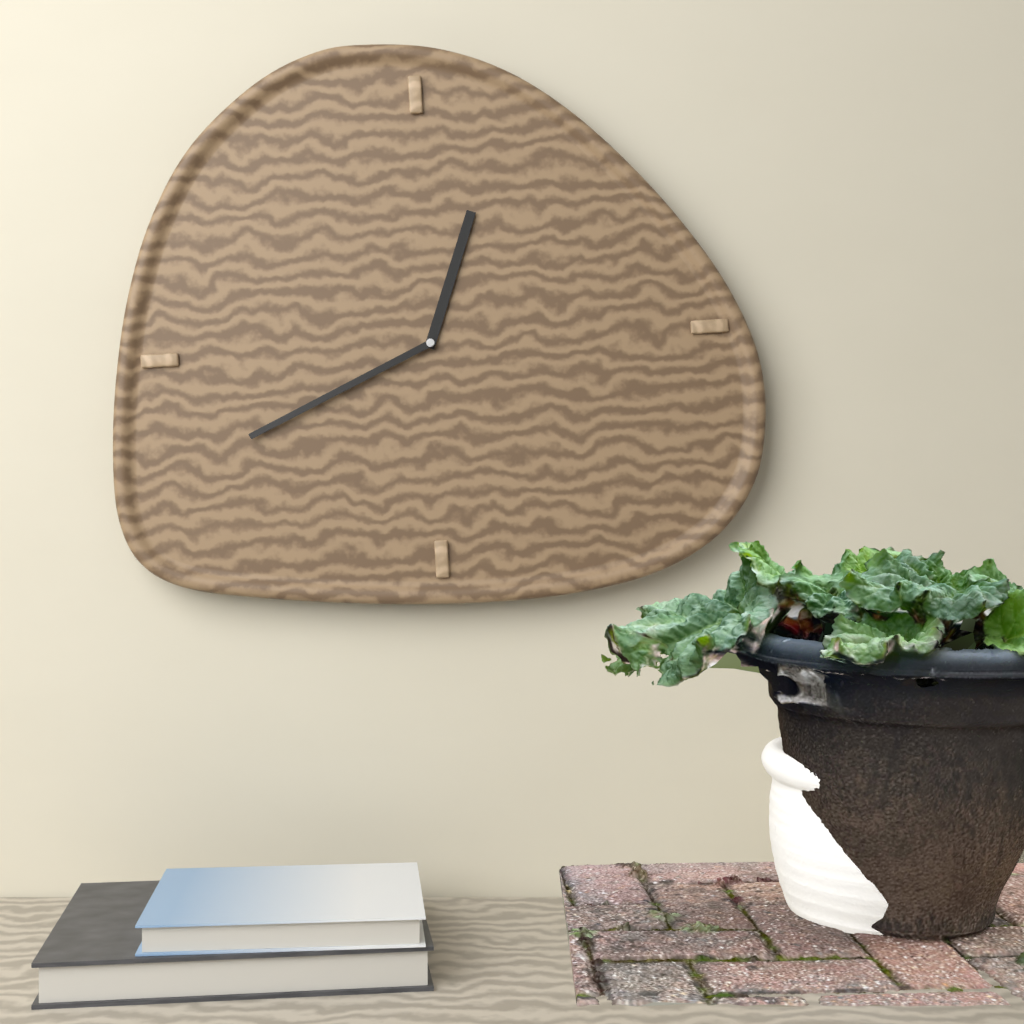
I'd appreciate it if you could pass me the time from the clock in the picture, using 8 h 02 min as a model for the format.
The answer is 12 h 41 min
